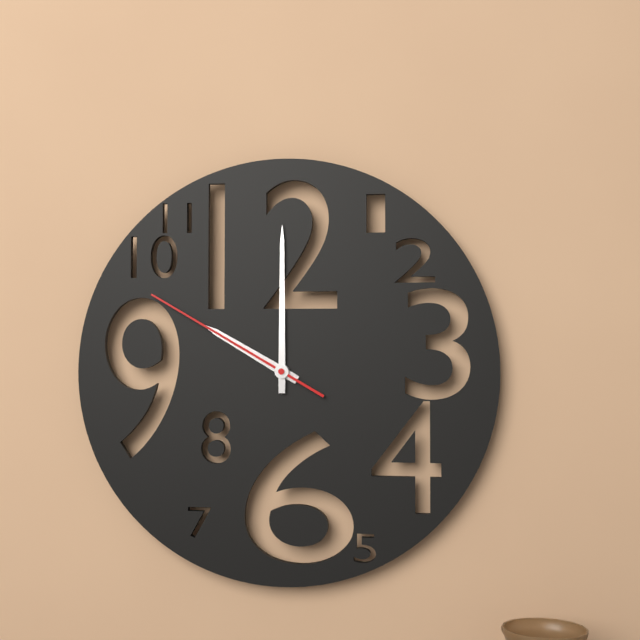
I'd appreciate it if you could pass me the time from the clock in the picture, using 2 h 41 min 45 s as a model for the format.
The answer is 10 h 00 min 50 s
